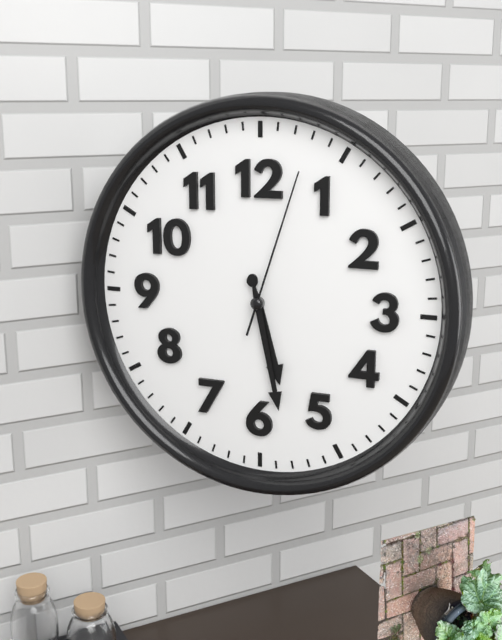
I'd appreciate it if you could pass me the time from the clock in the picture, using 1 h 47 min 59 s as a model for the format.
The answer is 5 h 28 min 03 s
